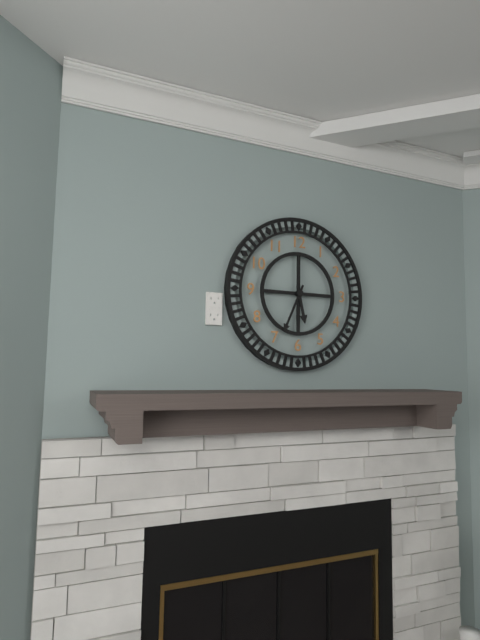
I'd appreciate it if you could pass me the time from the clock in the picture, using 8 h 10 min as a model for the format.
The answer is 5 h 34 min
